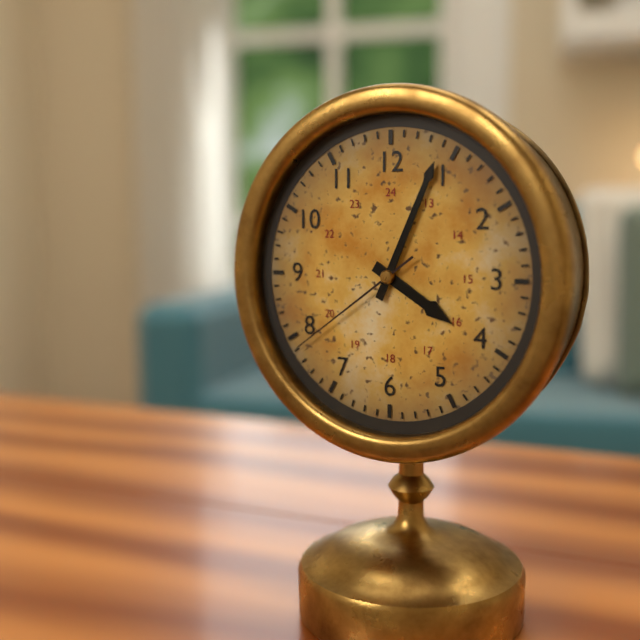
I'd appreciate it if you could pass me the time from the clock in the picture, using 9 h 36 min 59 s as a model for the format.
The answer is 4 h 04 min 39 s
